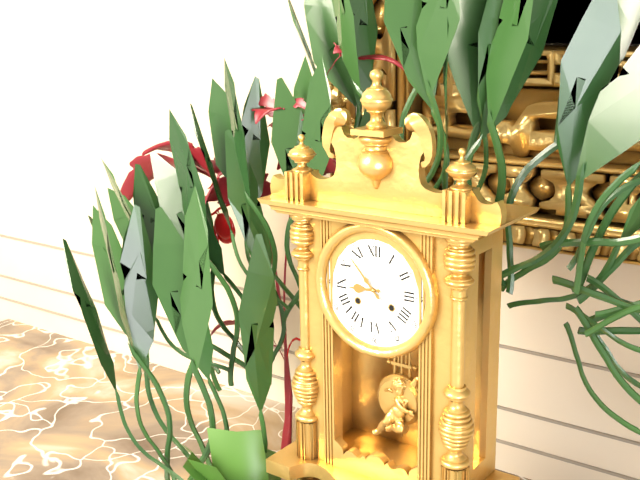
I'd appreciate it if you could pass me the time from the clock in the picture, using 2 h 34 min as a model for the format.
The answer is 8 h 53 min
